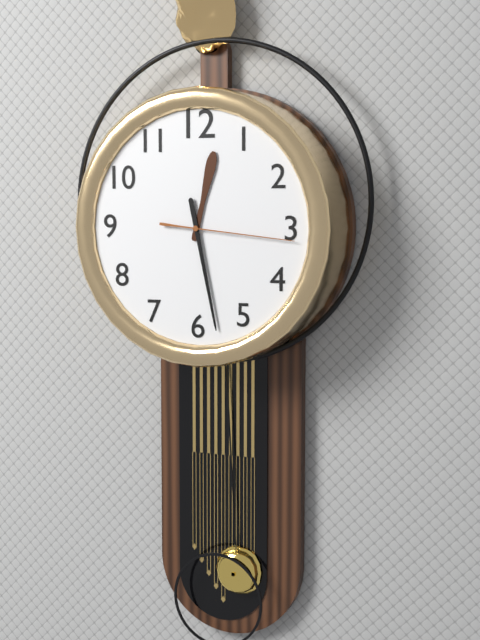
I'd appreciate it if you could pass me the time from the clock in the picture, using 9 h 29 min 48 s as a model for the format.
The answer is 12 h 28 min 16 s
